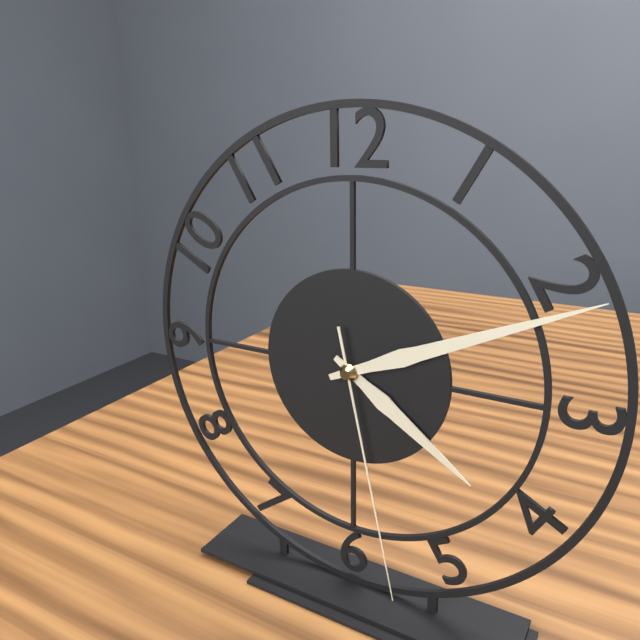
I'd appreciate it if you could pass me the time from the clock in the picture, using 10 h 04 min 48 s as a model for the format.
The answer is 4 h 11 min 28 s
